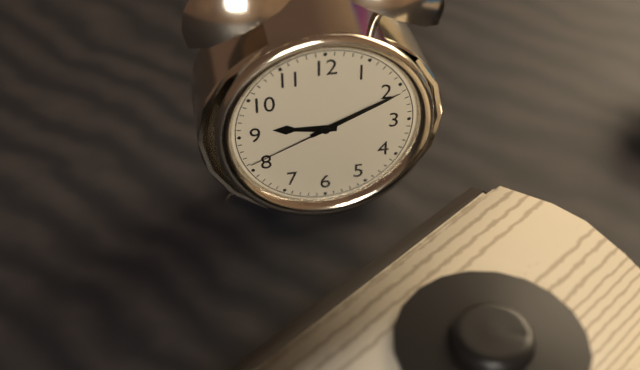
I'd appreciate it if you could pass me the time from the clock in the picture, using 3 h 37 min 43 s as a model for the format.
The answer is 9 h 11 min 41 s
